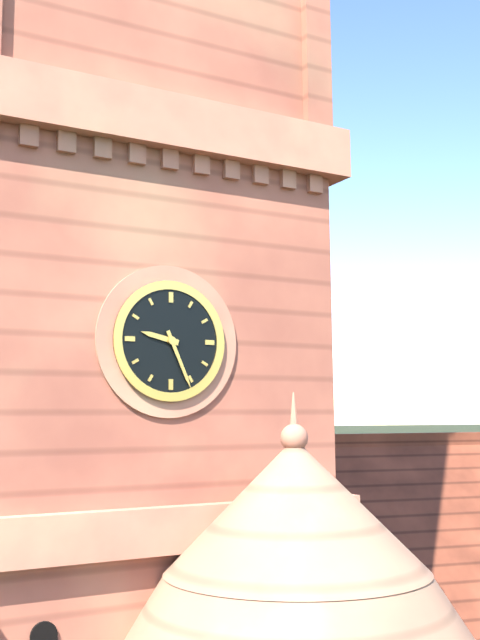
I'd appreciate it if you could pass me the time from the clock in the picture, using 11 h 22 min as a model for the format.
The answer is 9 h 26 min
